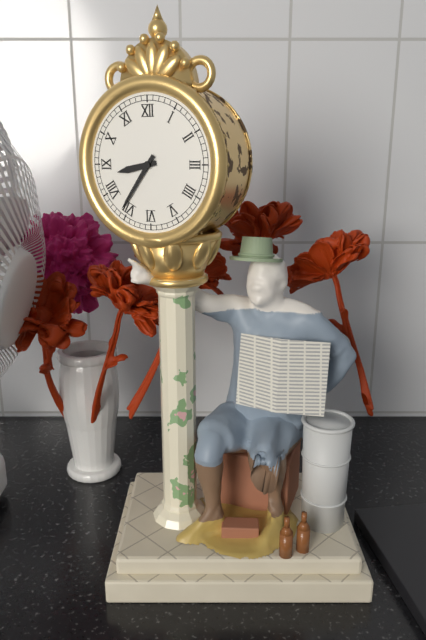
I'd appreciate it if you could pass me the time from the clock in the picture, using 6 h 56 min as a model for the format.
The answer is 8 h 36 min
